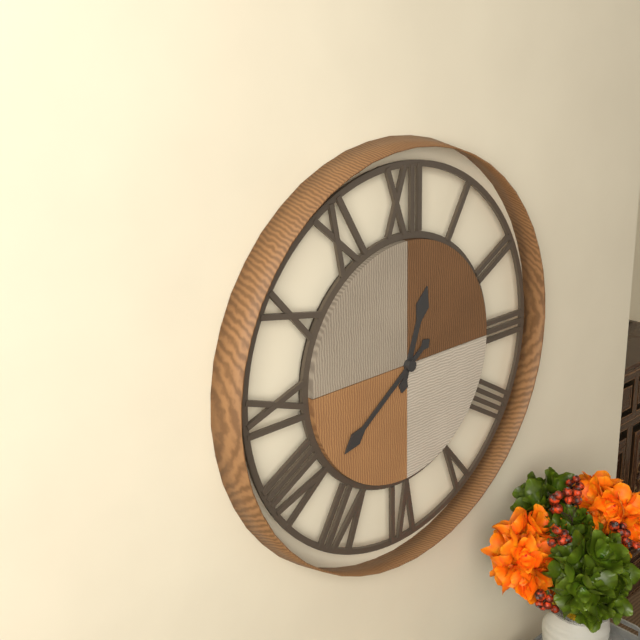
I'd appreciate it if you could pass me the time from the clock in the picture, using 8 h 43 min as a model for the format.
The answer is 12 h 39 min
